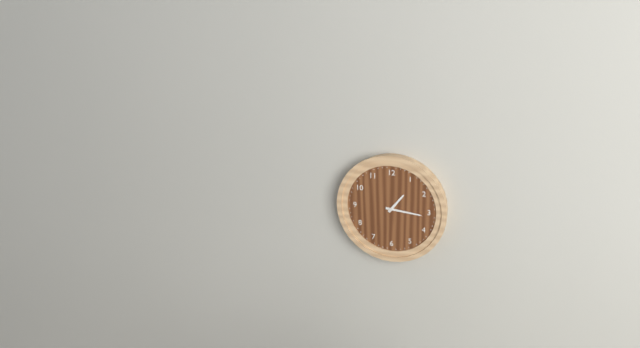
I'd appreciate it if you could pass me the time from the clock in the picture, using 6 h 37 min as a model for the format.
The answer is 1 h 16 min
